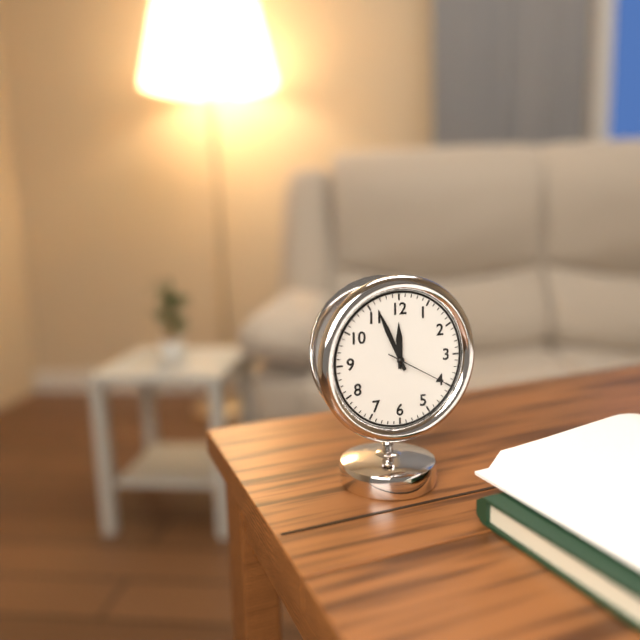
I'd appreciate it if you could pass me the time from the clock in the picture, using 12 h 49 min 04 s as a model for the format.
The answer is 11 h 56 min 20 s
